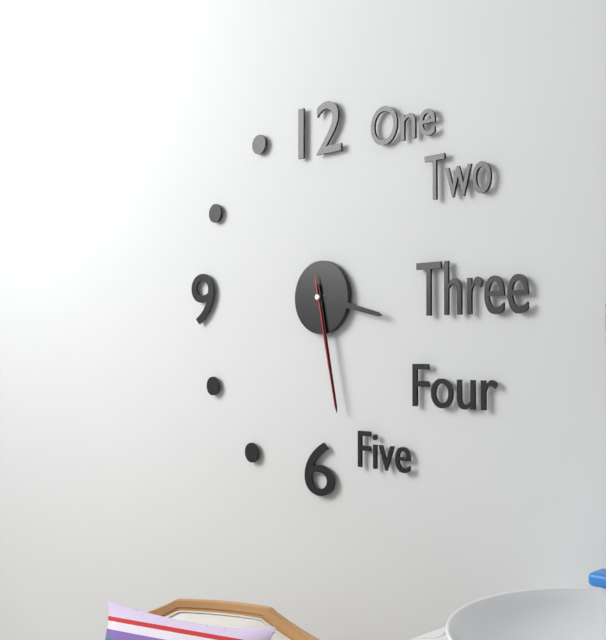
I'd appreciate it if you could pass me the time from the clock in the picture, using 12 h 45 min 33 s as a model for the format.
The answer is 3 h 28 min 28 s
